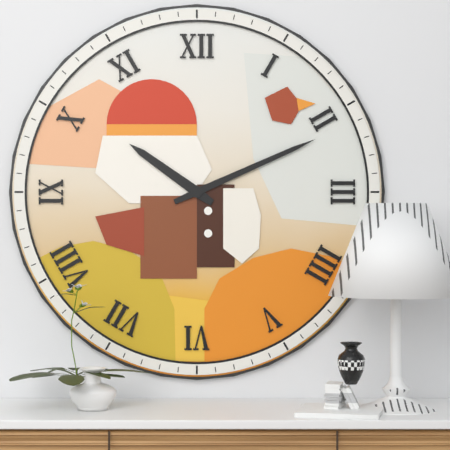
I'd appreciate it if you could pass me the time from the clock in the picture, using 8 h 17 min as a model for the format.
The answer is 10 h 11 min
